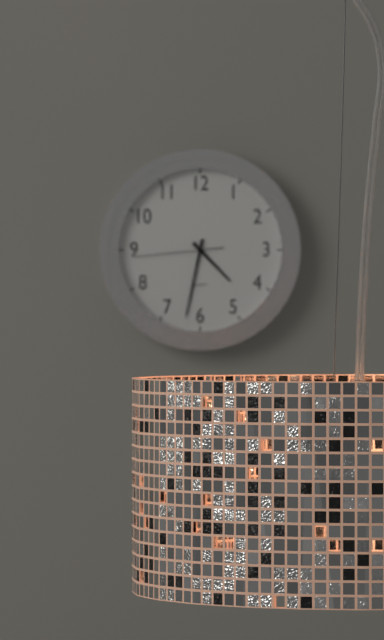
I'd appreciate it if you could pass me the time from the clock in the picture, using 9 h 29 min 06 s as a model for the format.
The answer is 4 h 32 min 44 s
